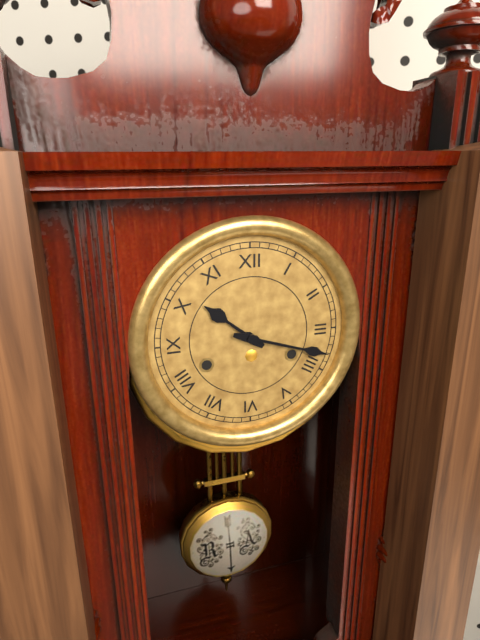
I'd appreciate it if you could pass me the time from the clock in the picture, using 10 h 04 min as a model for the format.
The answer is 10 h 18 min
